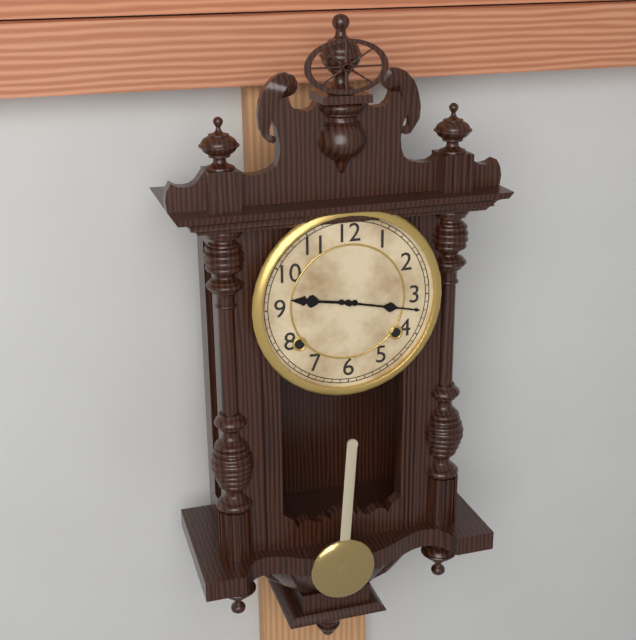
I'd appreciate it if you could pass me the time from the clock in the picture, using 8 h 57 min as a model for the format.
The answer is 9 h 17 min
